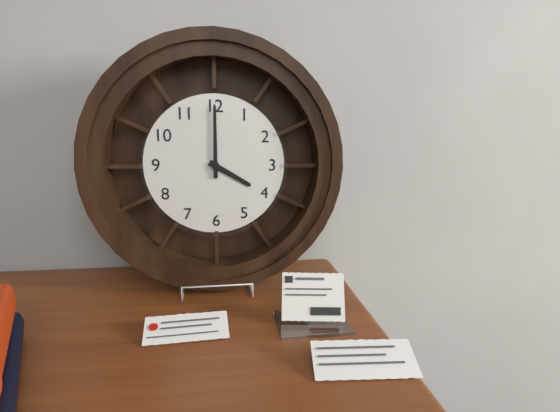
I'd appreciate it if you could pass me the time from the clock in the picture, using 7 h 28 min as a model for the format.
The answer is 4 h 00 min
